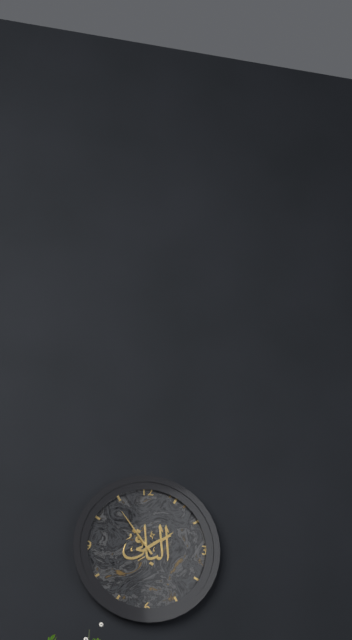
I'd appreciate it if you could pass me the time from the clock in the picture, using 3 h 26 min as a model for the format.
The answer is 1 h 54 min
